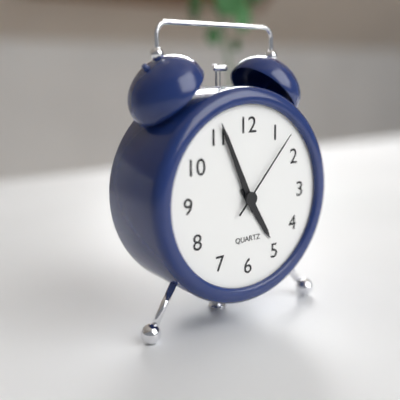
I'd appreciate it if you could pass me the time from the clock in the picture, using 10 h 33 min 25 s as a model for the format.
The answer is 4 h 56 min 07 s
